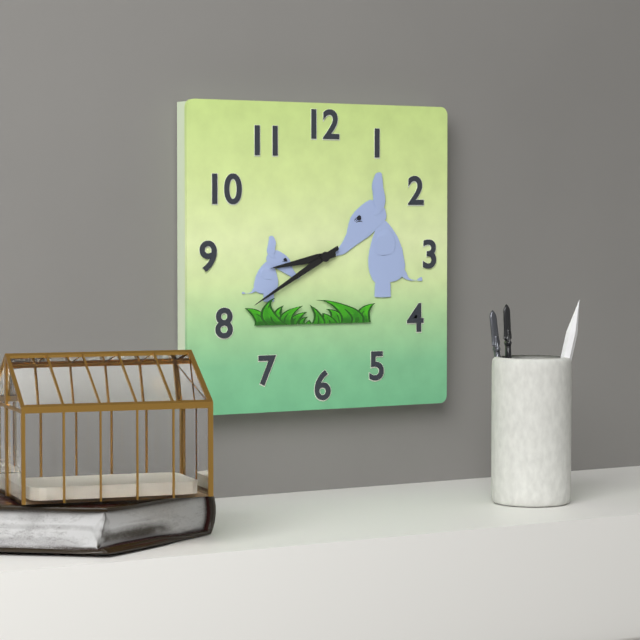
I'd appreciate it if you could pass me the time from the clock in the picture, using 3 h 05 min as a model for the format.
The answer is 8 h 40 min
